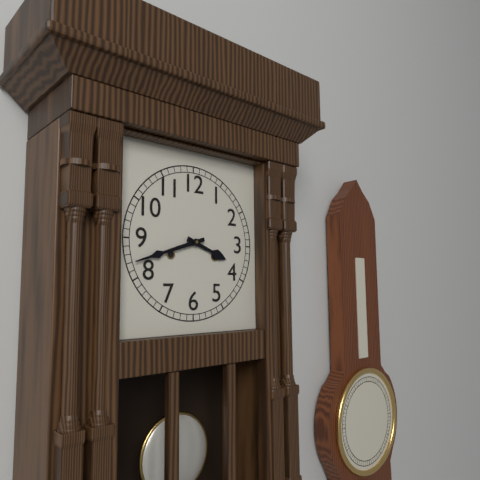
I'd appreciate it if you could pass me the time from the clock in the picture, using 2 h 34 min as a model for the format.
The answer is 3 h 42 min
